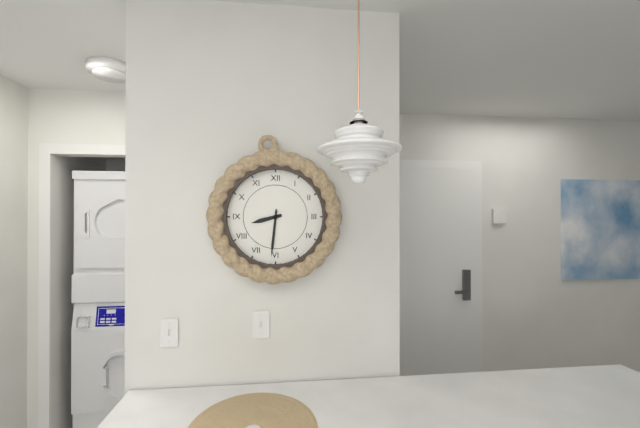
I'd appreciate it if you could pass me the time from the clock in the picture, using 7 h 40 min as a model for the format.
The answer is 8 h 31 min
